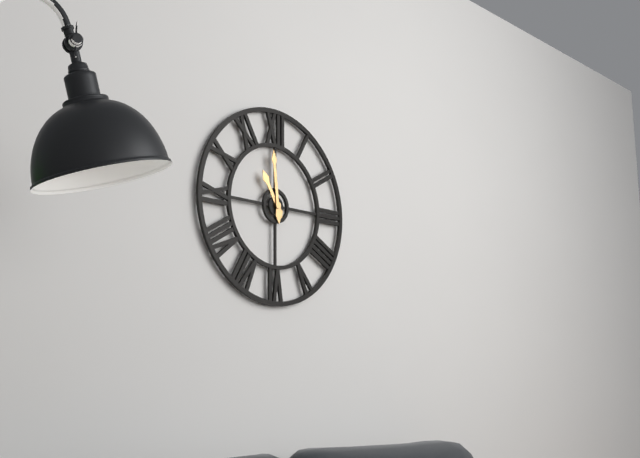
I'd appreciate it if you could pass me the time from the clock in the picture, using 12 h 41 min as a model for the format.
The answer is 10 h 59 min
